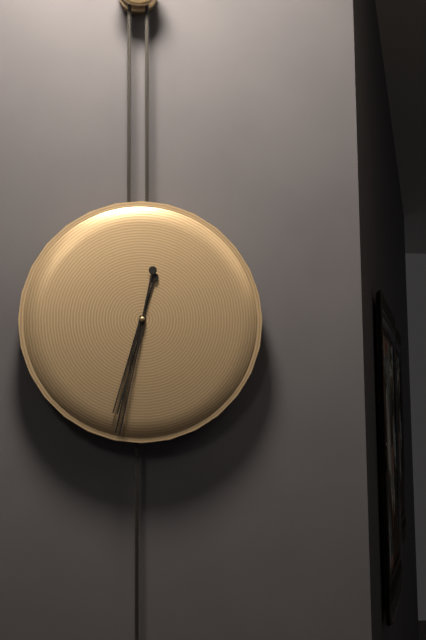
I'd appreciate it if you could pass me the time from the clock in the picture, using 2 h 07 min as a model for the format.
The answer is 6 h 32 min
